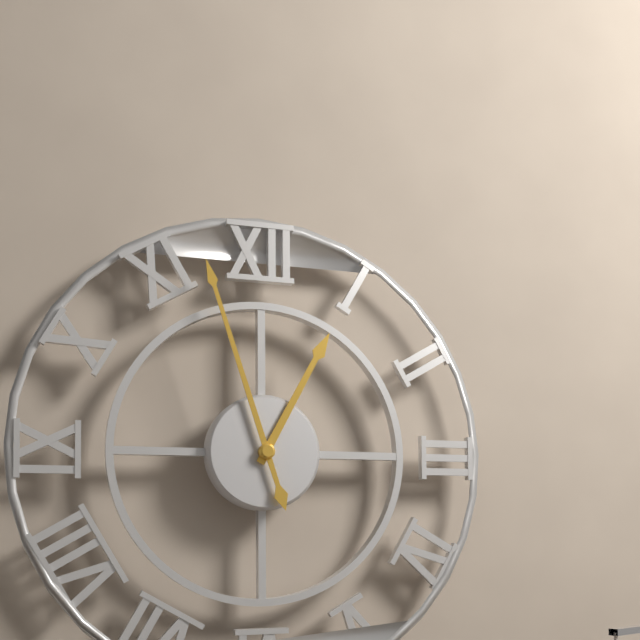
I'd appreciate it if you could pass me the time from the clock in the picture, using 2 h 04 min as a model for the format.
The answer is 12 h 57 min
